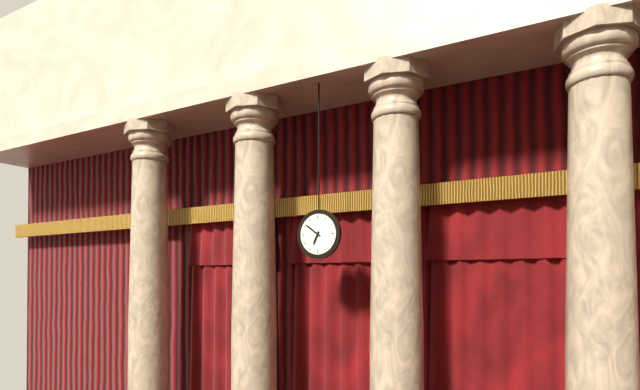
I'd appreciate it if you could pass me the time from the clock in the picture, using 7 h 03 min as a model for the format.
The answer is 6 h 51 min
